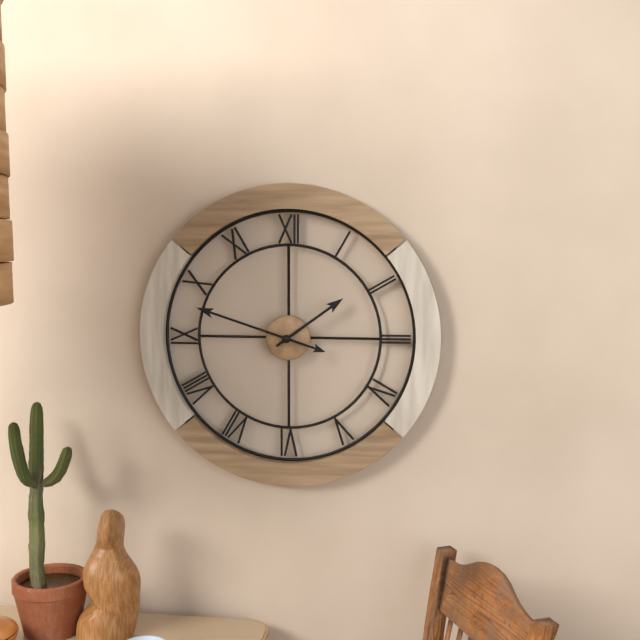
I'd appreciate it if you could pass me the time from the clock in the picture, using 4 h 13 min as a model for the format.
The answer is 1 h 48 min
